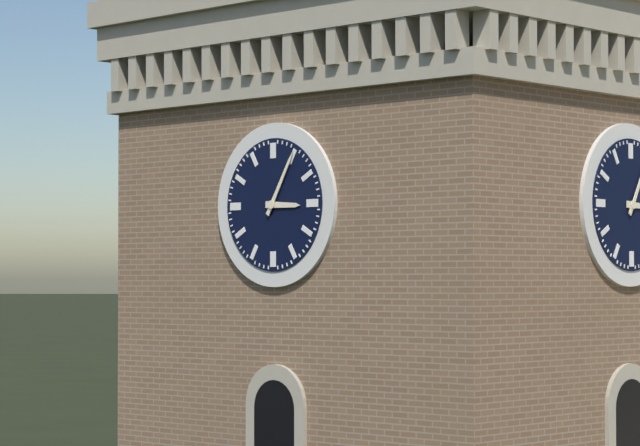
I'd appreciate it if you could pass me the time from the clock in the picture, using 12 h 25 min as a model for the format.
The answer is 3 h 05 min
